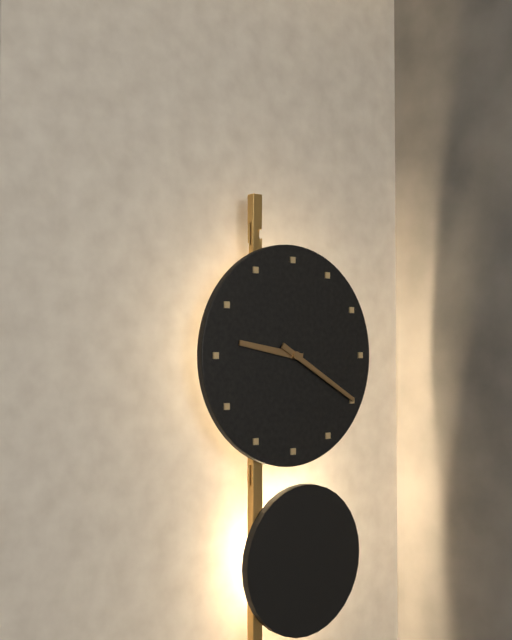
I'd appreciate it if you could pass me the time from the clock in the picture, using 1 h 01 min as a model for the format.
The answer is 9 h 20 min
